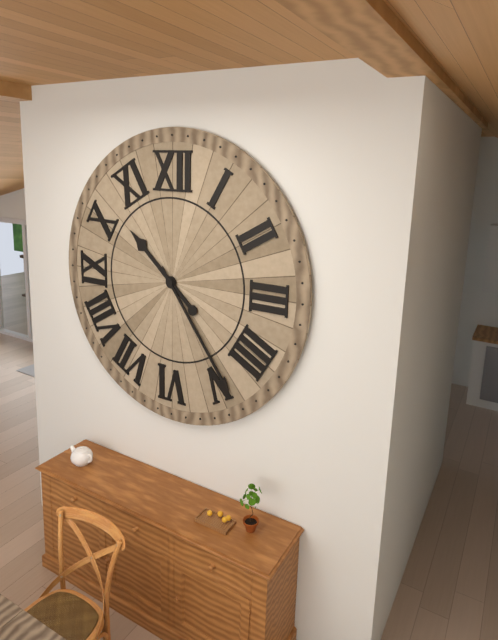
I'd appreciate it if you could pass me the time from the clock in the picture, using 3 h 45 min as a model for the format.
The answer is 10 h 24 min
